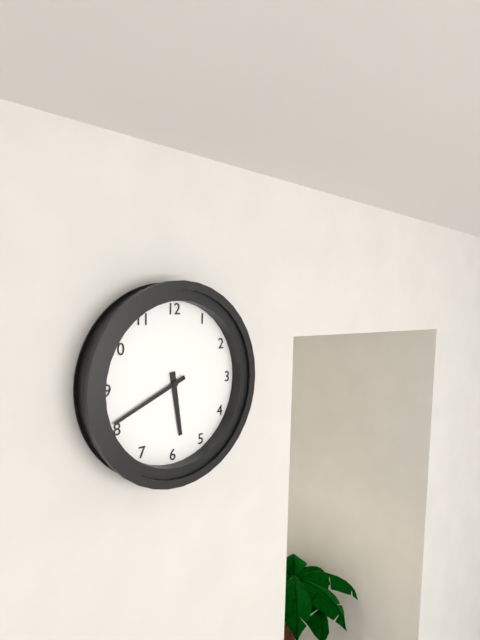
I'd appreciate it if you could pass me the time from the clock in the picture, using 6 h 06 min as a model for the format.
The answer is 5 h 41 min
